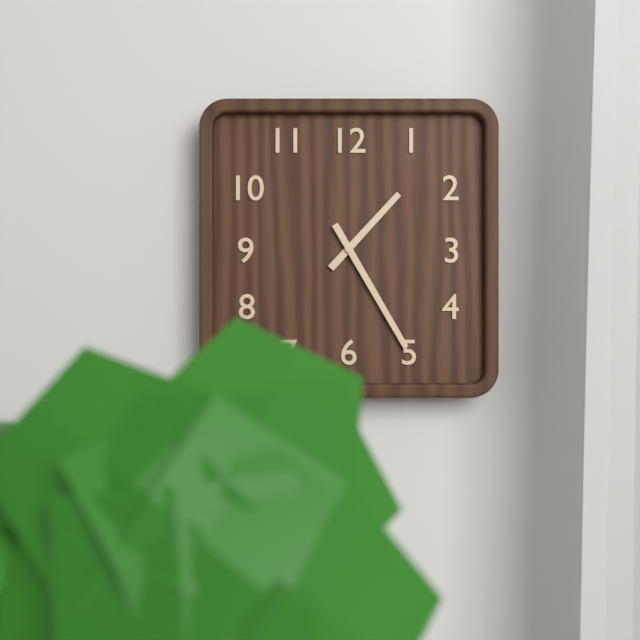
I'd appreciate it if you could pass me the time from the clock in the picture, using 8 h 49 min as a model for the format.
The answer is 1 h 25 min
